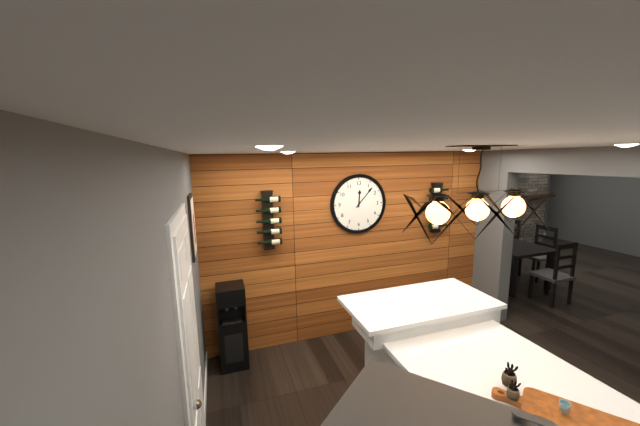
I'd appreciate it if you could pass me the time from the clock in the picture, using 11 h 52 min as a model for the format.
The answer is 12 h 07 min
